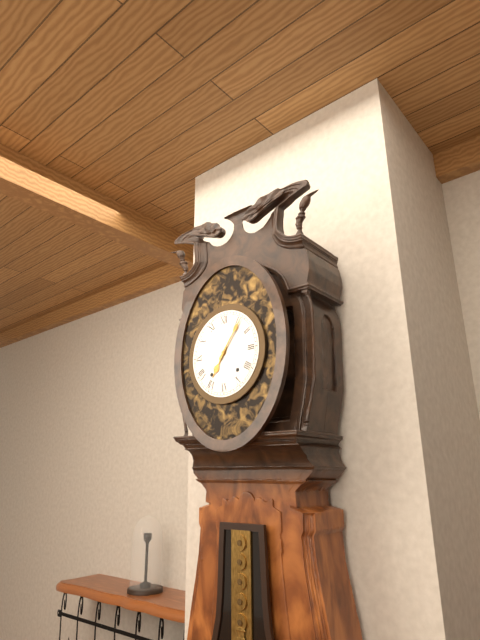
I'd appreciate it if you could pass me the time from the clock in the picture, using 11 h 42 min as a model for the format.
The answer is 7 h 06 min
